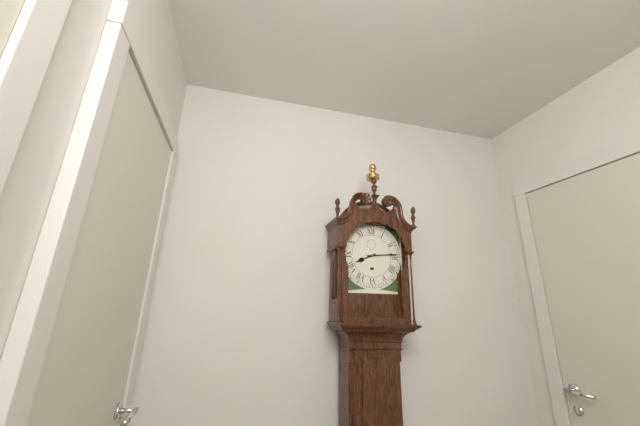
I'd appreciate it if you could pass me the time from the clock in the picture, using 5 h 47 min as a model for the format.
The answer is 8 h 14 min
